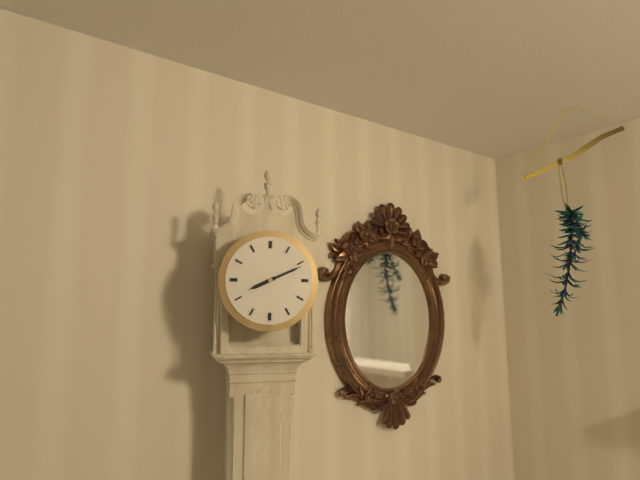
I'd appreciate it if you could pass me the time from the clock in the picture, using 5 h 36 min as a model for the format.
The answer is 8 h 11 min
